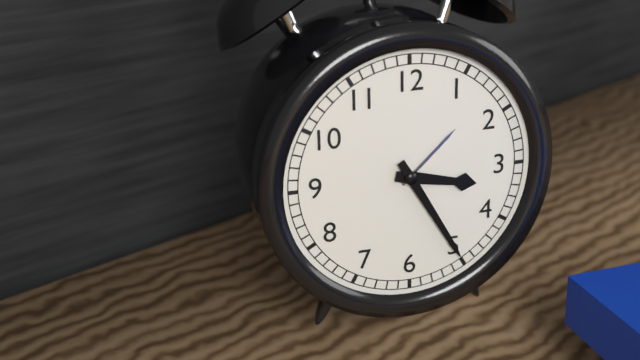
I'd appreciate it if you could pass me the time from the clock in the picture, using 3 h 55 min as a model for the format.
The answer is 3 h 25 min
